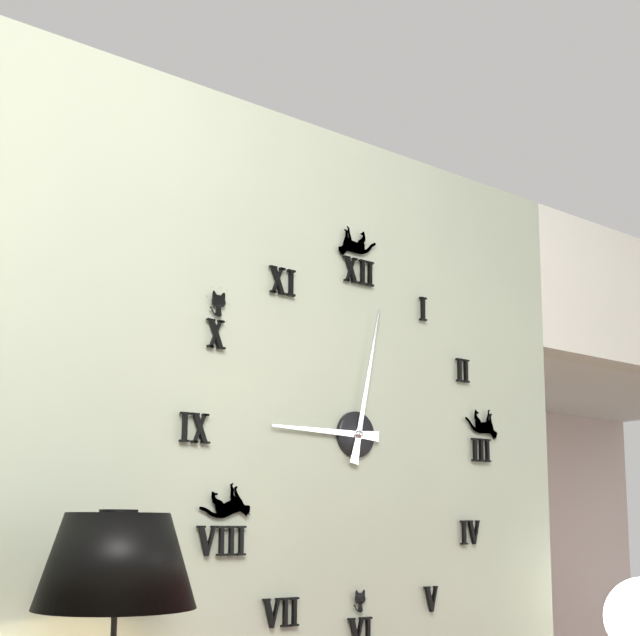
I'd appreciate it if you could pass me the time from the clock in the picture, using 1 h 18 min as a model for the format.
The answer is 9 h 02 min
